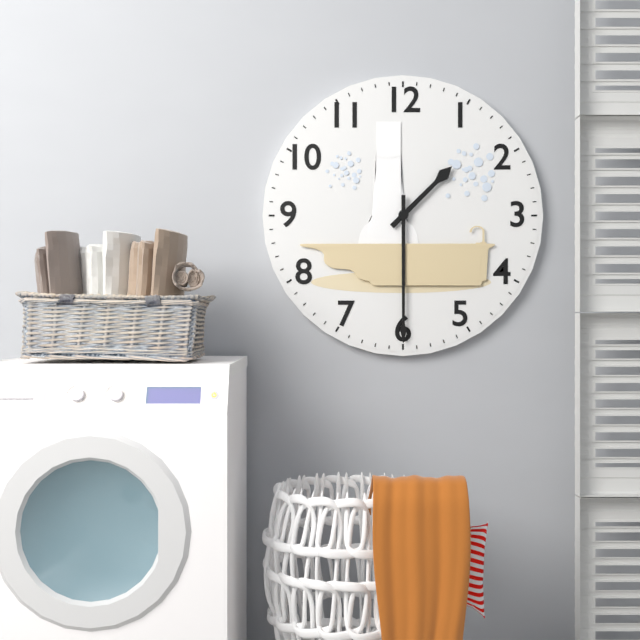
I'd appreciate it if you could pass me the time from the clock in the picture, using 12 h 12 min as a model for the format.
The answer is 1 h 30 min
